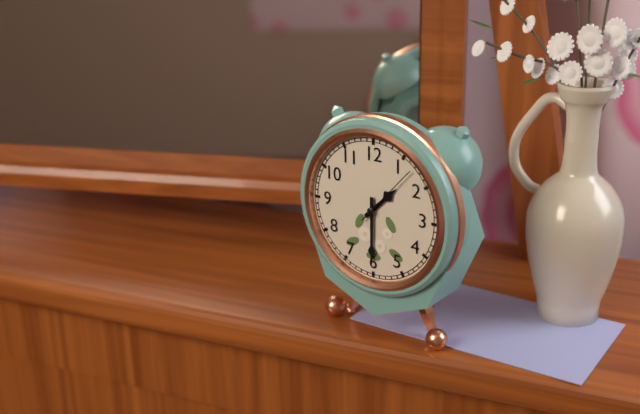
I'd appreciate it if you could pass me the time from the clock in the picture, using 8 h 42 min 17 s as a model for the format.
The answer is 1 h 30 min 07 s
